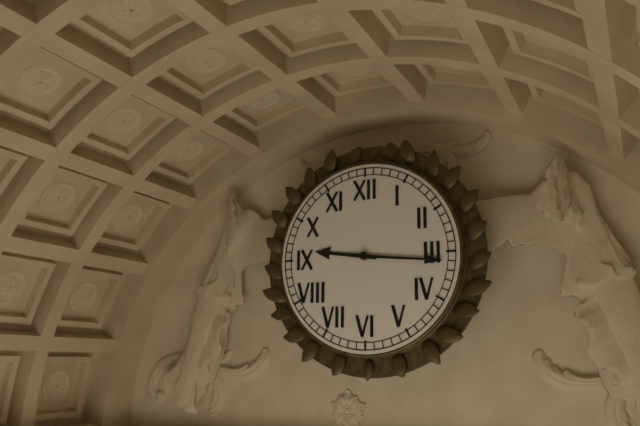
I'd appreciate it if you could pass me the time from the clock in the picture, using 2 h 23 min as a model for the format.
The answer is 9 h 16 min
